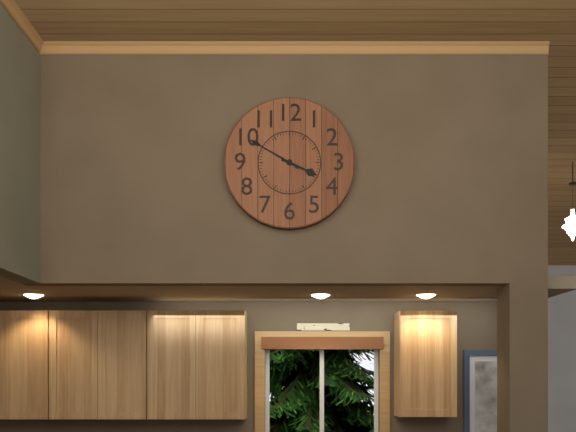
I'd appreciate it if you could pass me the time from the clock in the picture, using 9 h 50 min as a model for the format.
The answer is 3 h 50 min
